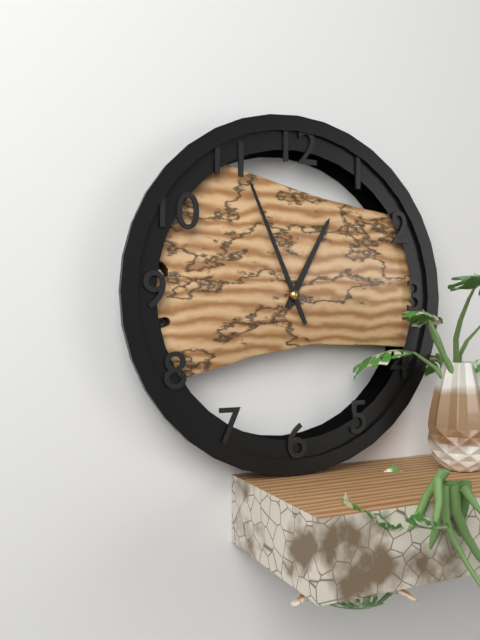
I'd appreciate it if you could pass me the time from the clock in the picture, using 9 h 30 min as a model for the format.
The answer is 12 h 56 min
